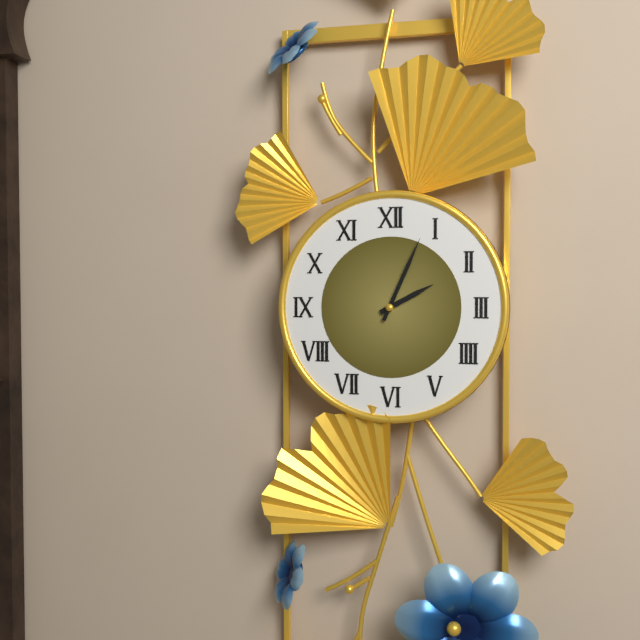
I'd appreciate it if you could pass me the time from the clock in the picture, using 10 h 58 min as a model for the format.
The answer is 2 h 04 min
